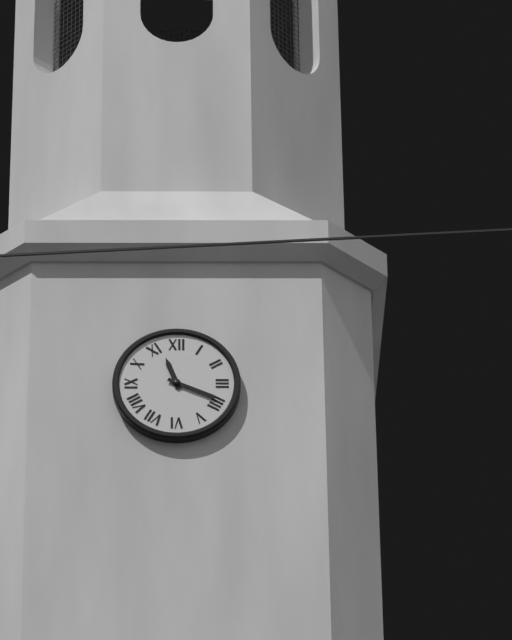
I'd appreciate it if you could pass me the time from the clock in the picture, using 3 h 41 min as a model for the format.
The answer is 11 h 19 min
